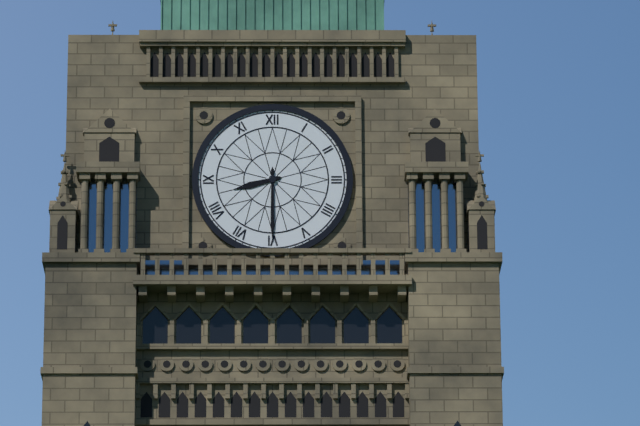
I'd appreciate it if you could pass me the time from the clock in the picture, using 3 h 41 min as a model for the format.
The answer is 8 h 30 min
